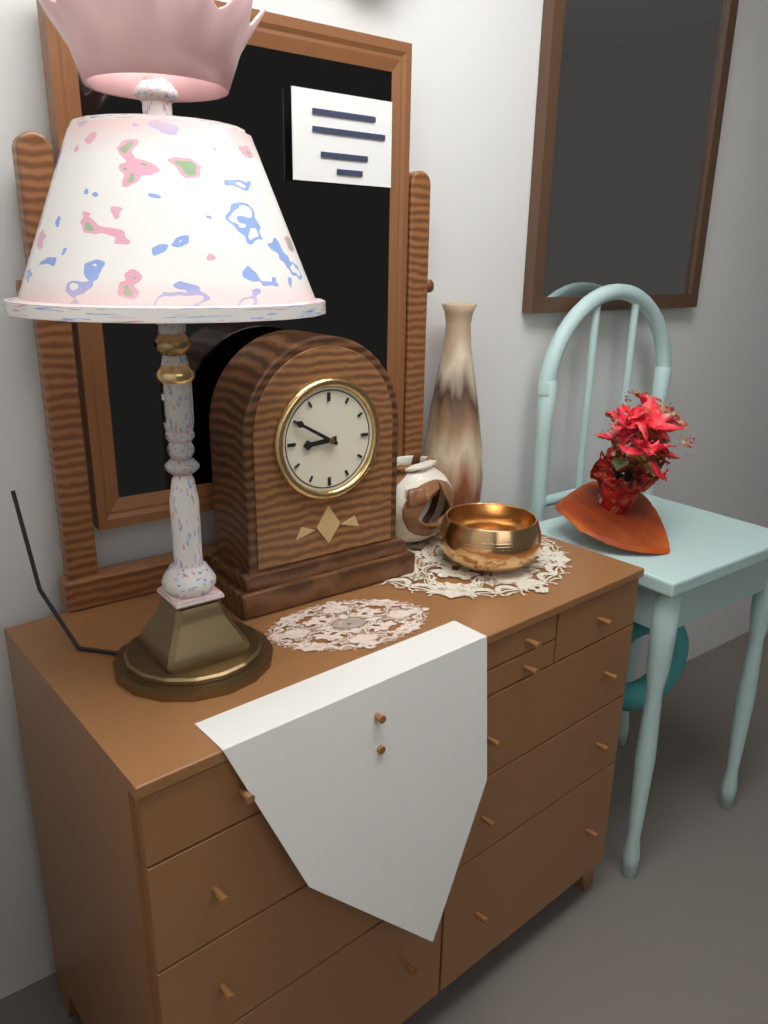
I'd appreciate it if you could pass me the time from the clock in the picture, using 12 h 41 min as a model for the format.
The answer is 8 h 50 min
